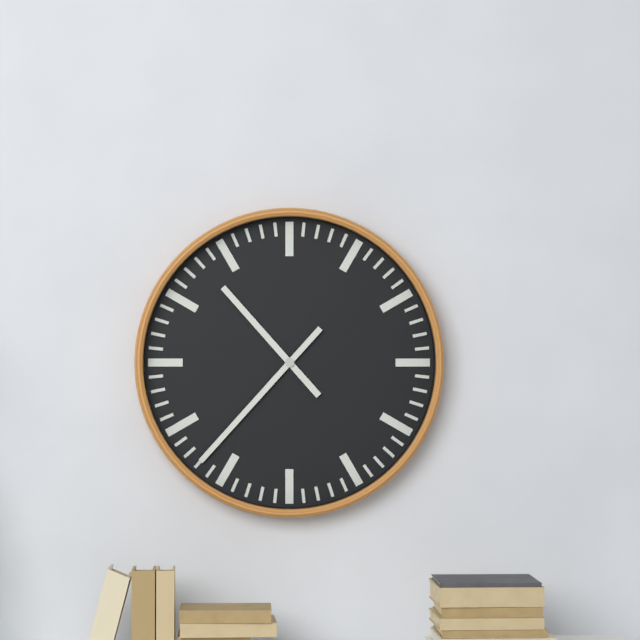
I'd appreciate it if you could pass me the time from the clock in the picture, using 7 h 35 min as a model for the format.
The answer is 10 h 37 min
